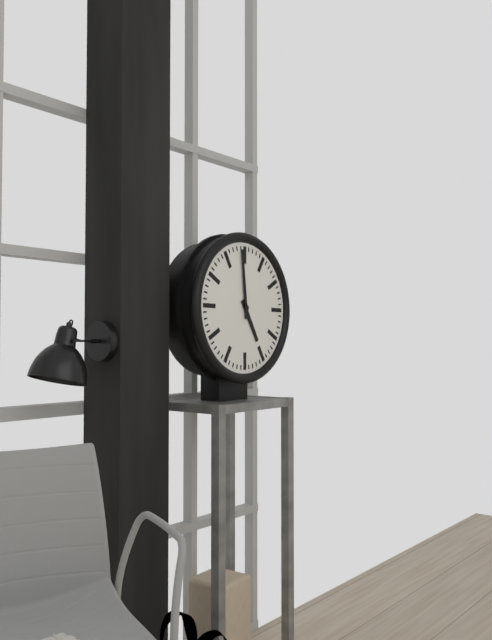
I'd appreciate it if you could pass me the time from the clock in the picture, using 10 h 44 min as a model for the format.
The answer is 4 h 59 min
